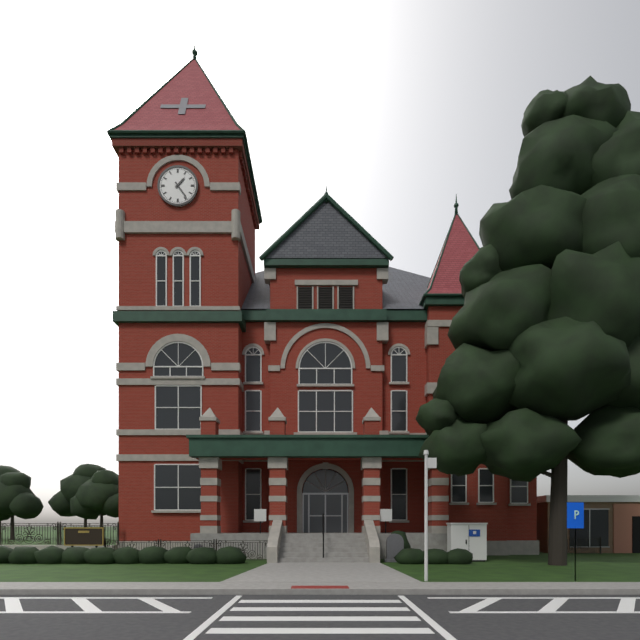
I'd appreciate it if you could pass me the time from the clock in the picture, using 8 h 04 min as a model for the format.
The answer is 1 h 24 min
